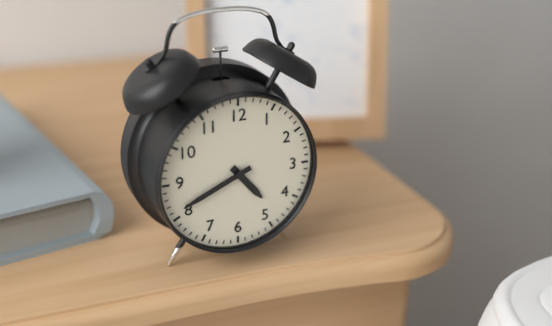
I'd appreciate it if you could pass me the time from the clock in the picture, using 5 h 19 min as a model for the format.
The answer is 4 h 41 min
